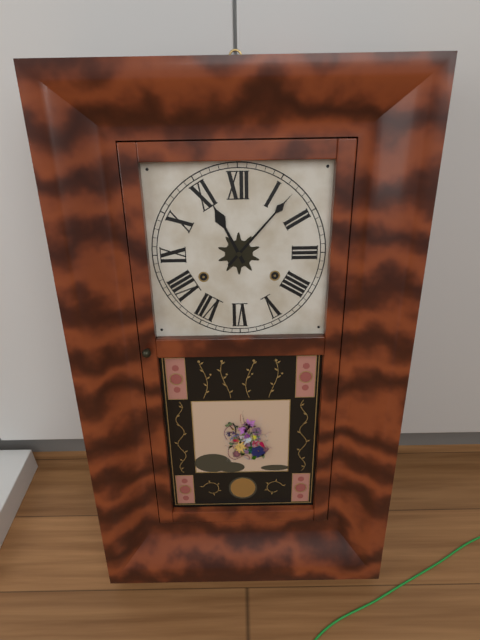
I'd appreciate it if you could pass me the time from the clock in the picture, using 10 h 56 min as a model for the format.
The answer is 11 h 07 min
